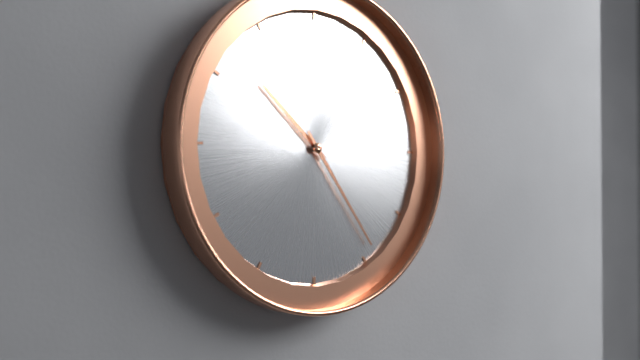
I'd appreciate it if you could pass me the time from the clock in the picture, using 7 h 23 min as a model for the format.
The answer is 10 h 24 min
